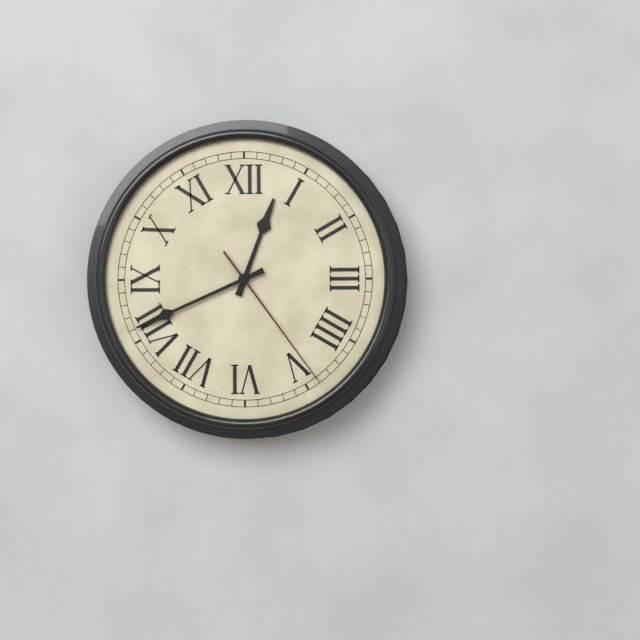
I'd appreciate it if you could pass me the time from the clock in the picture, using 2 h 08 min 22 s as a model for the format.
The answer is 12 h 41 min 24 s
